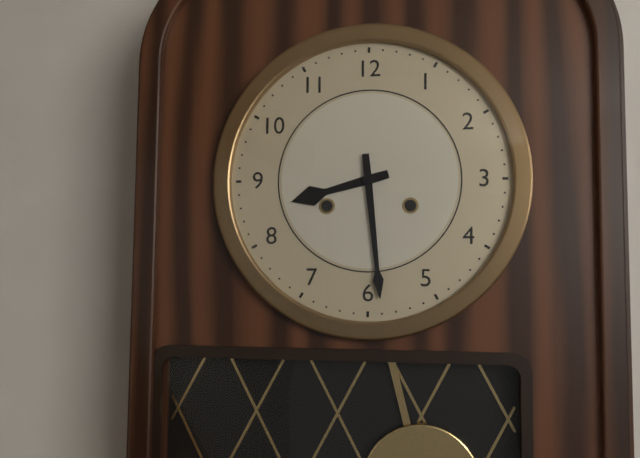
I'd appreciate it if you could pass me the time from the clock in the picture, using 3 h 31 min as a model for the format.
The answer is 8 h 29 min
